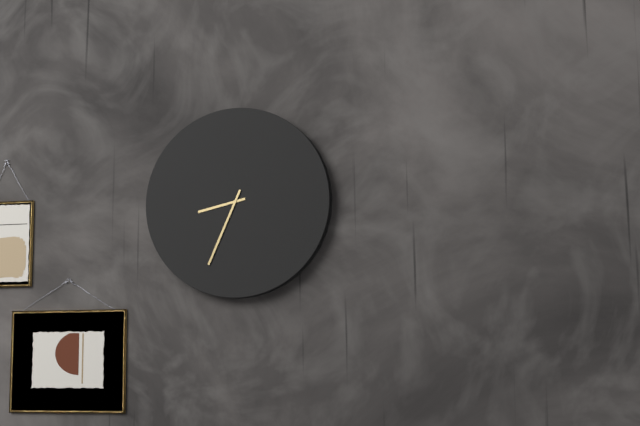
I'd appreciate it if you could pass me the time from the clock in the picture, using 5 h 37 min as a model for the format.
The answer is 8 h 34 min
